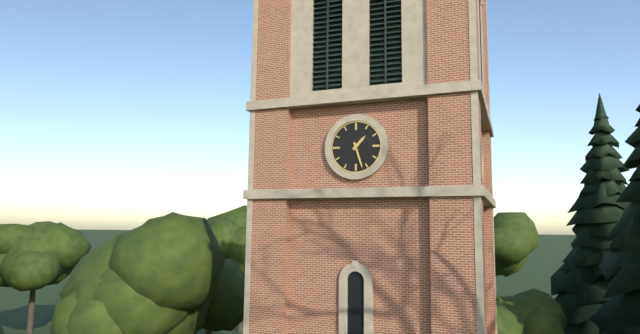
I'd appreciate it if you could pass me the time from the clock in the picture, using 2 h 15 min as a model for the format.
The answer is 1 h 27 min
